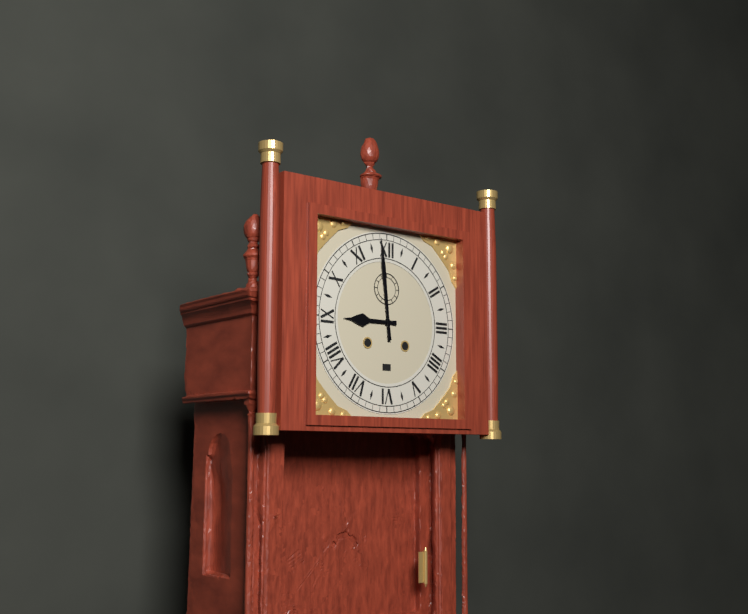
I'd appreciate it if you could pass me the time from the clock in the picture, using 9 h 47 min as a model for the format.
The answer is 8 h 59 min
